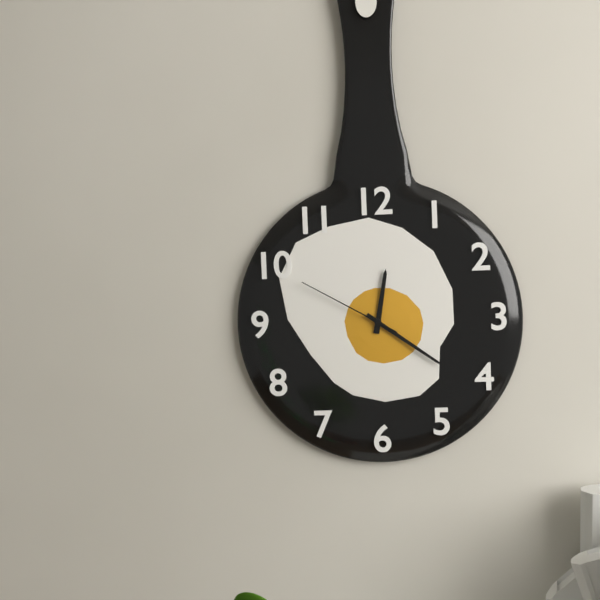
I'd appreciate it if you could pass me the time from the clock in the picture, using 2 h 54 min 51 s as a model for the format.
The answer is 12 h 21 min 50 s
